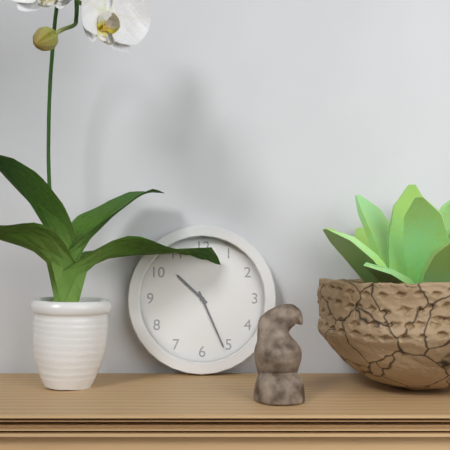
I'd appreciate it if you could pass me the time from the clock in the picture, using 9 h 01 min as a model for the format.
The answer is 10 h 26 min
